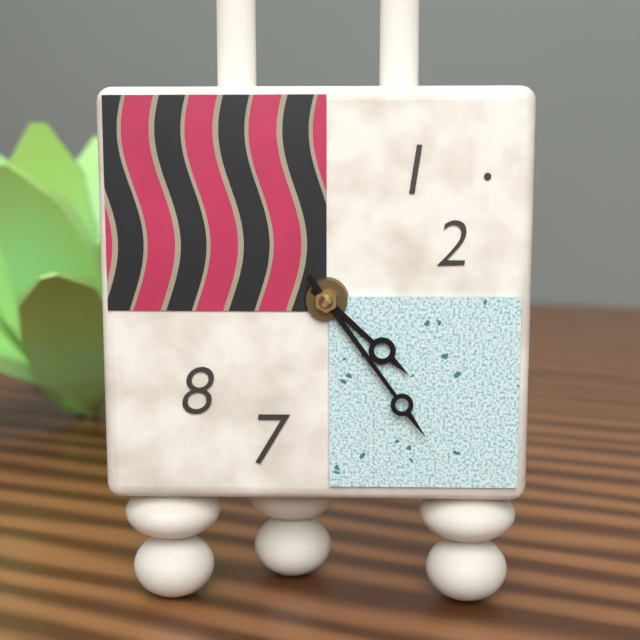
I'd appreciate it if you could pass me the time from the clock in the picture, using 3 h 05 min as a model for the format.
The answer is 4 h 24 min
